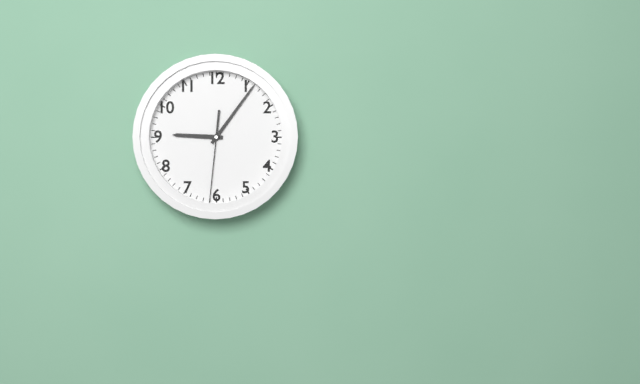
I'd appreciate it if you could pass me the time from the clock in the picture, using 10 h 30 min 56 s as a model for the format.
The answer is 9 h 06 min 31 s
